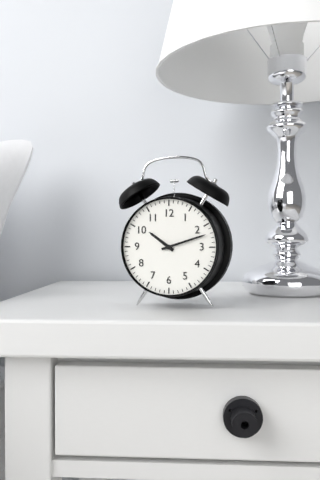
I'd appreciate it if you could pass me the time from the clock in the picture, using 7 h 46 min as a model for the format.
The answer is 10 h 12 min
